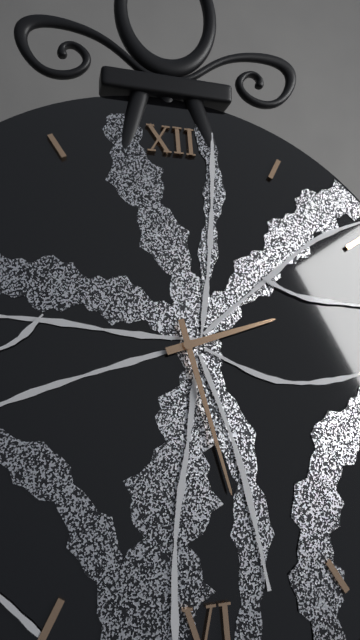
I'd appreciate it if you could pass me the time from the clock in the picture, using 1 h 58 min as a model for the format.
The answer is 2 h 28 min
